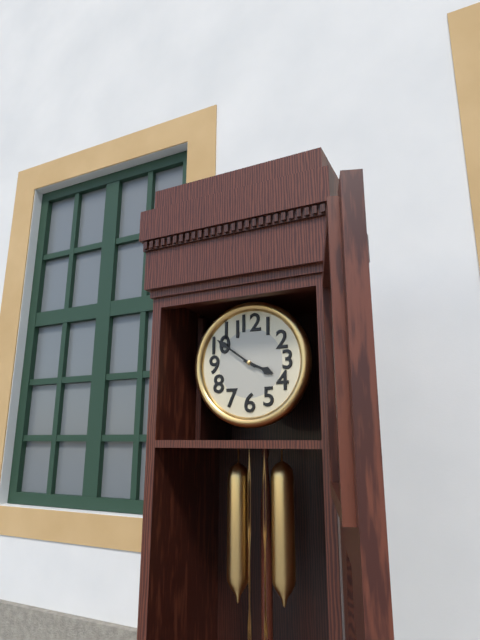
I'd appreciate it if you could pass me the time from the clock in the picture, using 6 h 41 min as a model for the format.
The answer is 3 h 51 min
